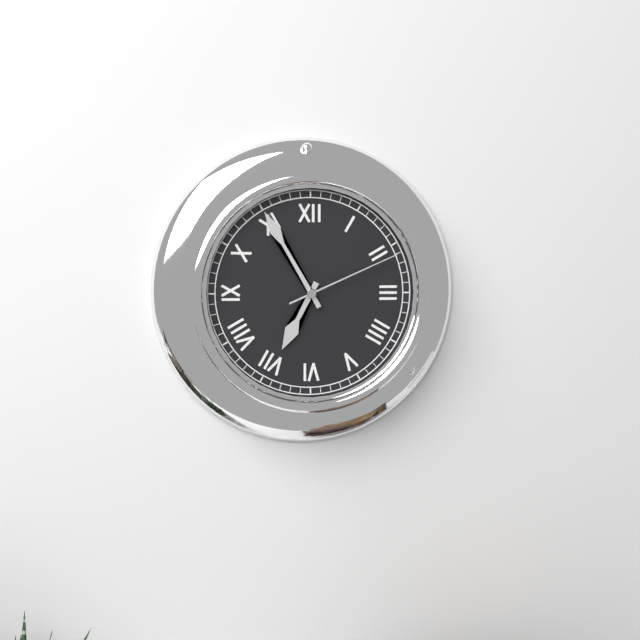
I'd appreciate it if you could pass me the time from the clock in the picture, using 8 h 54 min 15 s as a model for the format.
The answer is 6 h 55 min 11 s
